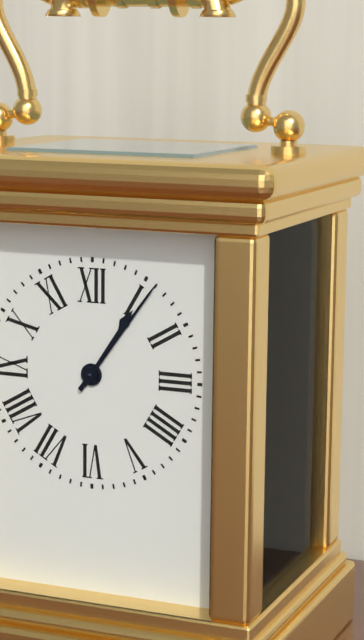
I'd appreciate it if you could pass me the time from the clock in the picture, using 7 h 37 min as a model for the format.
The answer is 1 h 06 min
